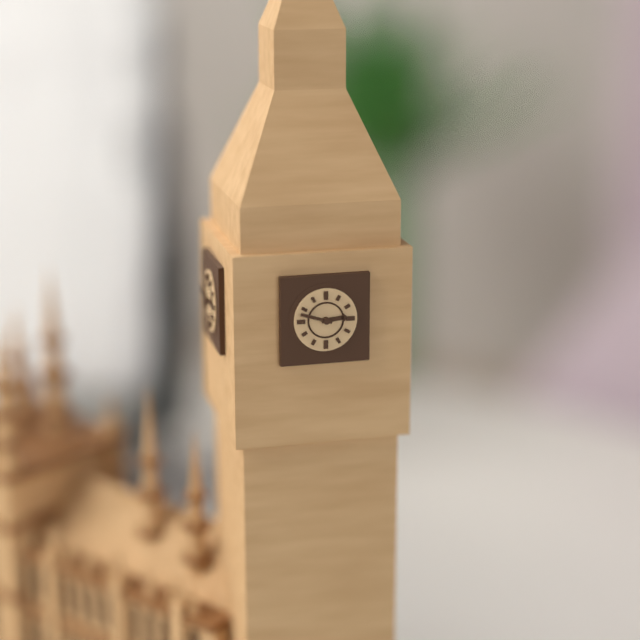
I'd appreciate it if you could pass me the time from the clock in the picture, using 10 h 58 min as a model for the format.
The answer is 2 h 48 min
